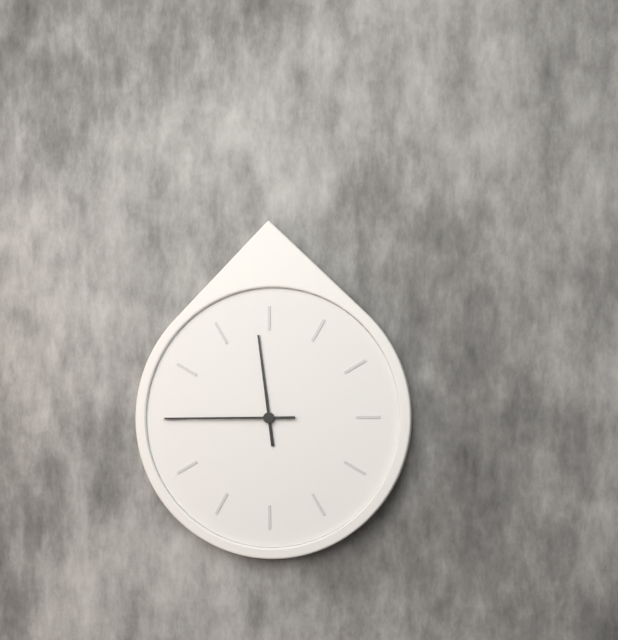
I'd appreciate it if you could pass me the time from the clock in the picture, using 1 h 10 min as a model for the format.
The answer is 11 h 45 min
